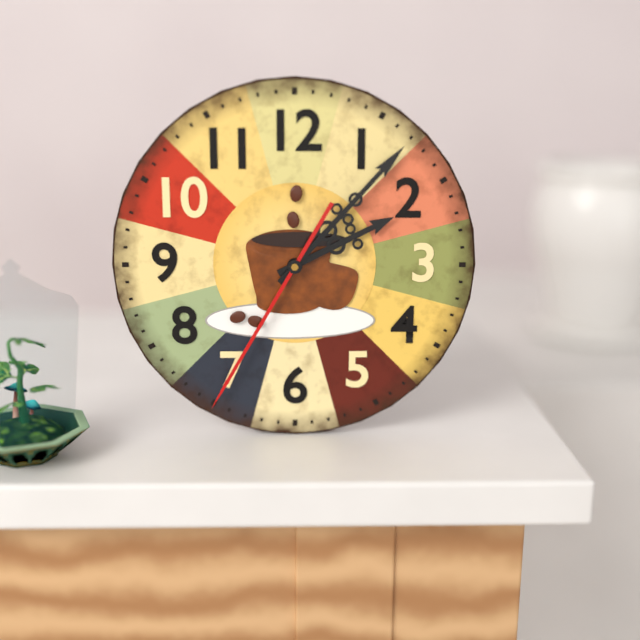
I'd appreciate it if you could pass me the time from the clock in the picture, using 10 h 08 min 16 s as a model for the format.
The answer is 2 h 07 min 35 s
